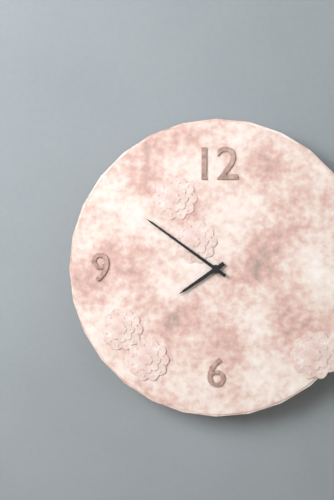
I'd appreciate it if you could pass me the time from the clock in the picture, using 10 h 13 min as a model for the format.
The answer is 7 h 51 min
